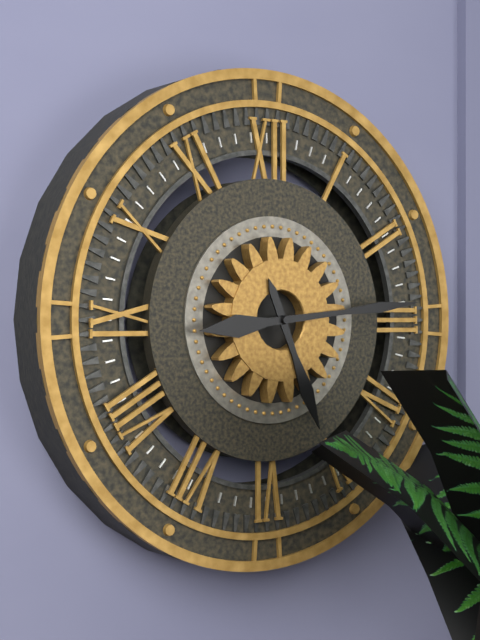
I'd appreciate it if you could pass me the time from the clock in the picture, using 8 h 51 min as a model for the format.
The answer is 5 h 14 min
